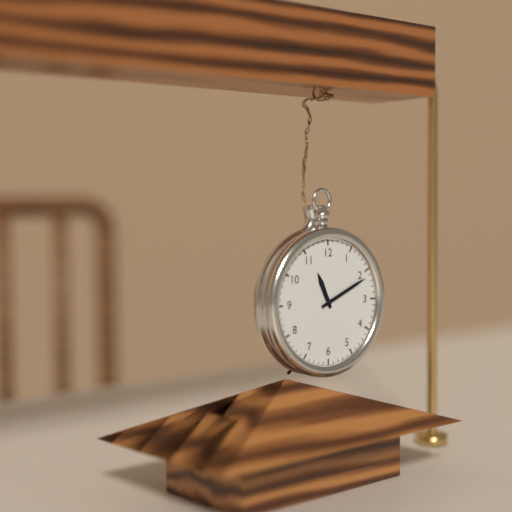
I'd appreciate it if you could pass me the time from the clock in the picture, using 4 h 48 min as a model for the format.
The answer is 11 h 11 min
